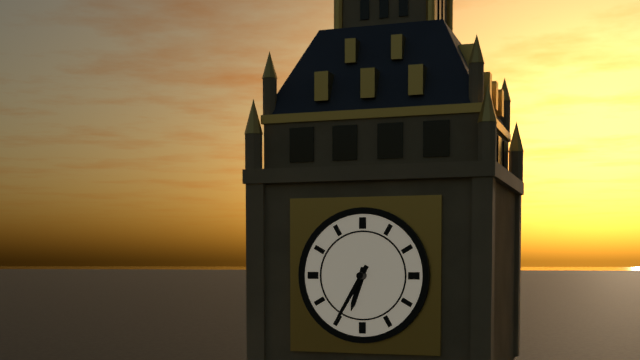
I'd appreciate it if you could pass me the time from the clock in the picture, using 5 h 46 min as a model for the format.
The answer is 6 h 35 min
